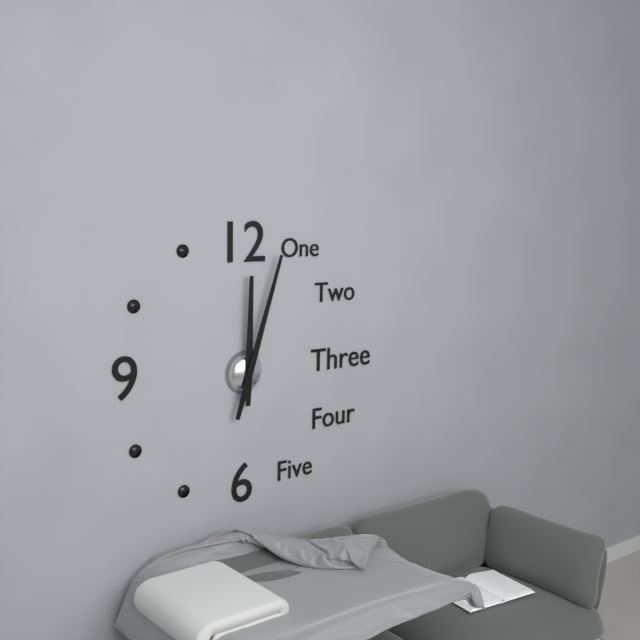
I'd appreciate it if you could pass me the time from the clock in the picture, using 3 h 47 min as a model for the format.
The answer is 12 h 03 min
